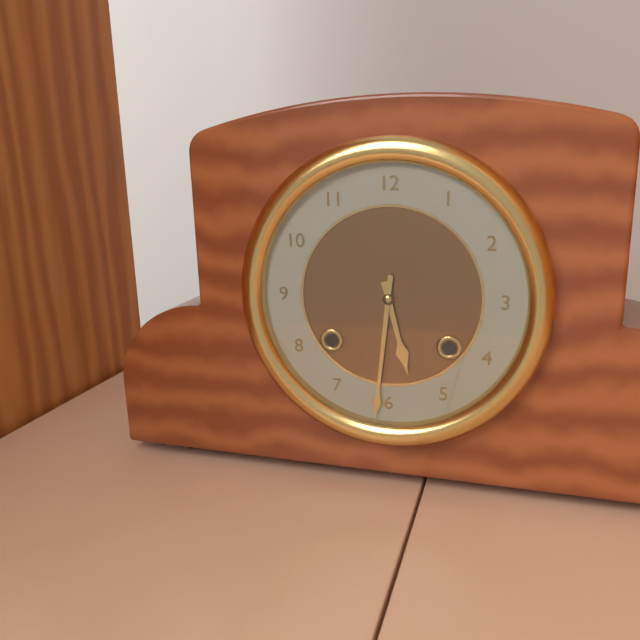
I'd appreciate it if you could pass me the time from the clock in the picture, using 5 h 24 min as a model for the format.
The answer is 5 h 31 min
